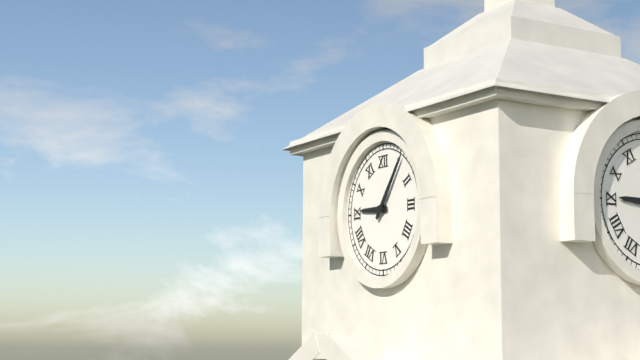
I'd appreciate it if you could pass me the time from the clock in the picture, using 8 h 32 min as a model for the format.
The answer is 9 h 06 min
